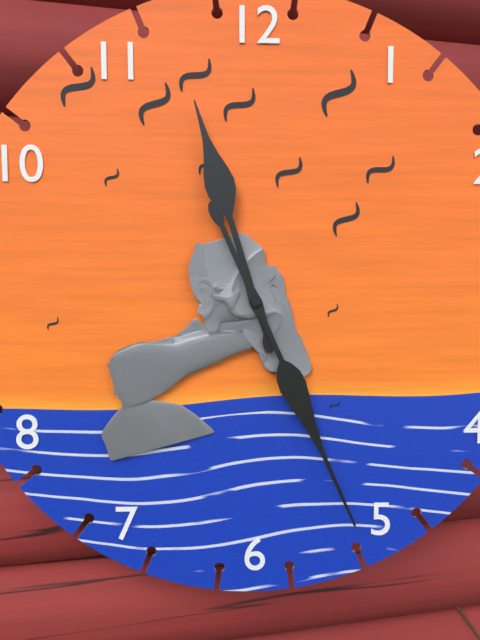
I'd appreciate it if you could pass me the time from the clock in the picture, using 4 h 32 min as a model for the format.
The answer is 11 h 26 min
